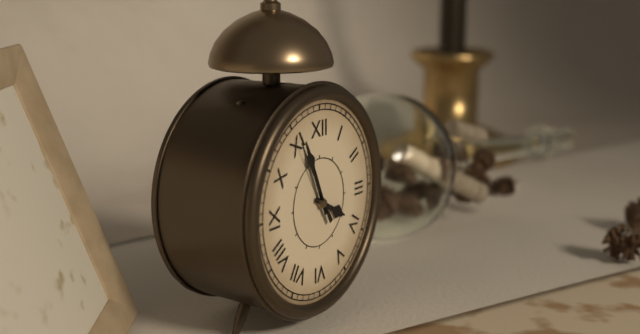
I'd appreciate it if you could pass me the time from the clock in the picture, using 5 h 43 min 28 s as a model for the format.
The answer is 3 h 56 min 55 s
